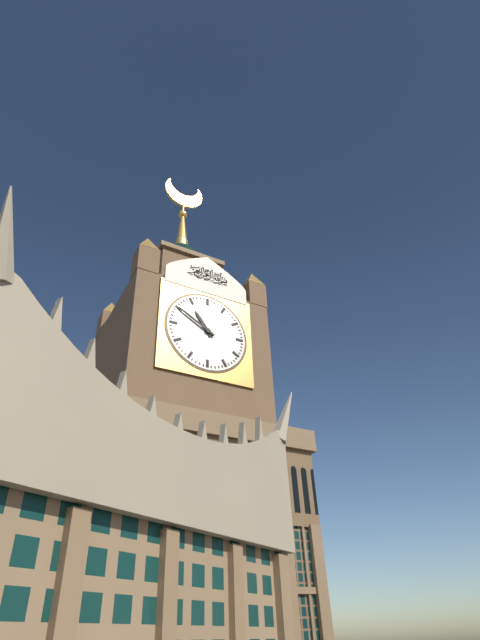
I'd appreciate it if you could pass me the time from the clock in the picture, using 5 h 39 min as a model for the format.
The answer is 10 h 50 min
